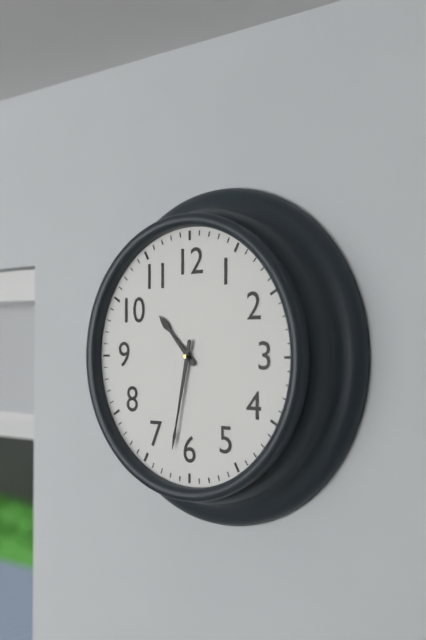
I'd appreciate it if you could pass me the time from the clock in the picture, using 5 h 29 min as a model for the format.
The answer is 10 h 32 min
